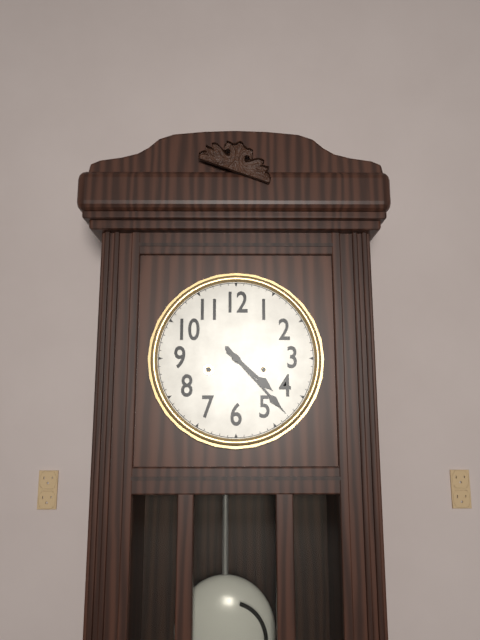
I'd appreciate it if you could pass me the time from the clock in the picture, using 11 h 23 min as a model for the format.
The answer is 4 h 23 min
